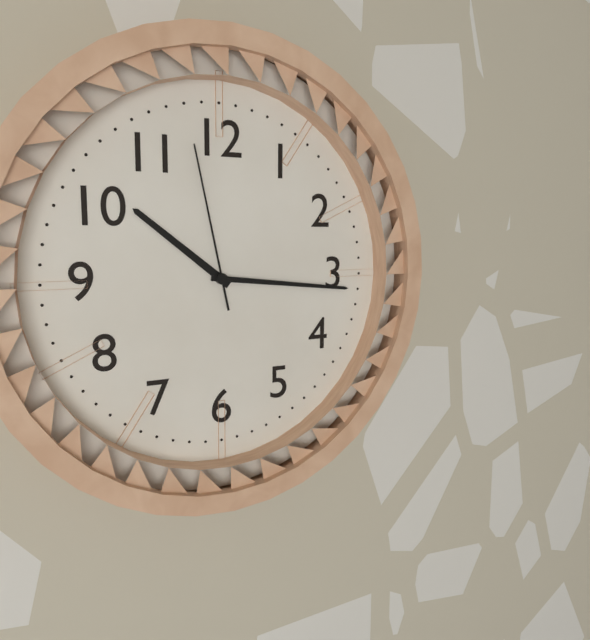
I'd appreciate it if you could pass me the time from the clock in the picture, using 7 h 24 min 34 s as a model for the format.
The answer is 10 h 16 min 58 s
